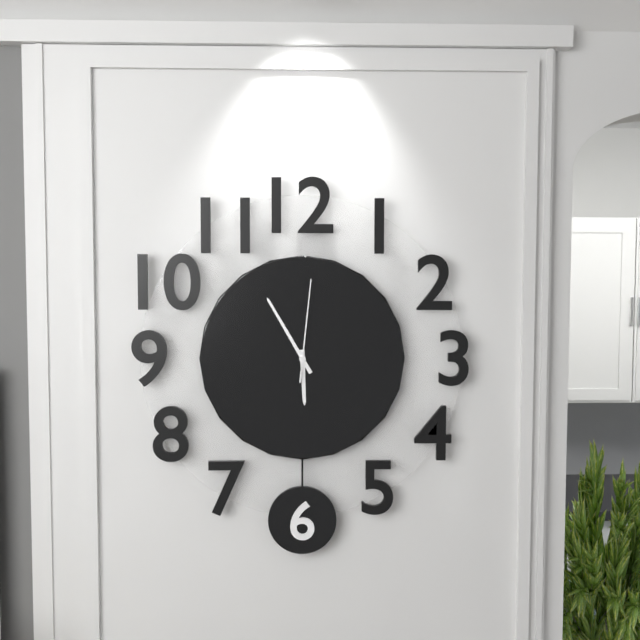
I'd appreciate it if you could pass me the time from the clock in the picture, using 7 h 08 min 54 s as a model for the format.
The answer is 5 h 55 min 01 s
